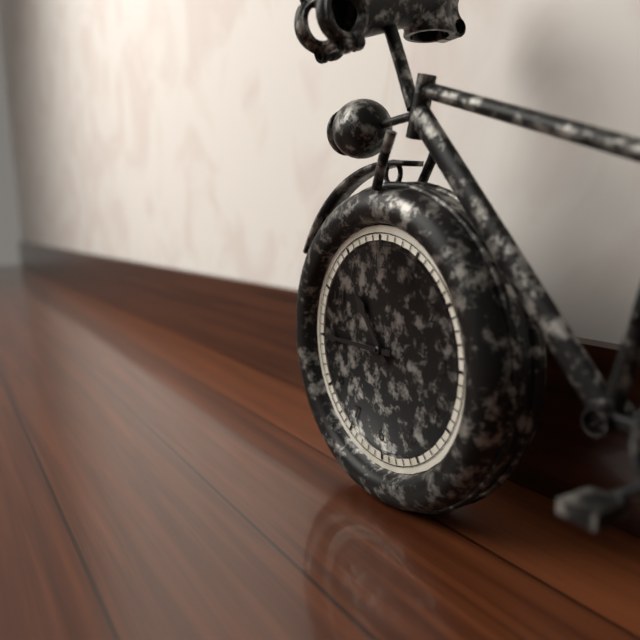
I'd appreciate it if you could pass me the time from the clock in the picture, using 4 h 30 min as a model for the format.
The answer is 10 h 45 min
